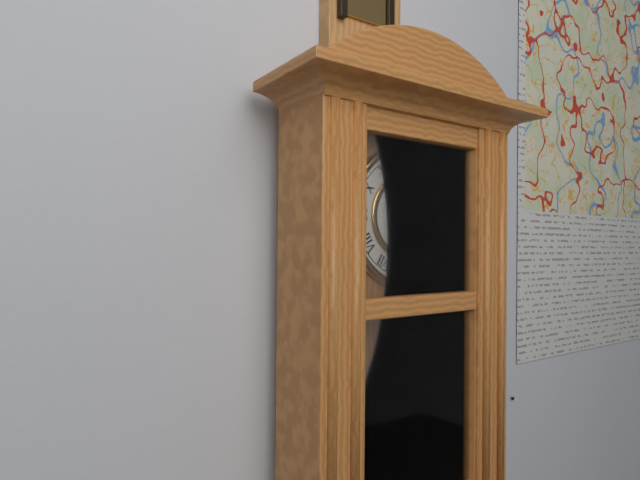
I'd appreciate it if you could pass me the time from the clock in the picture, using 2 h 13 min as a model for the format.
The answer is 1 h 16 min
